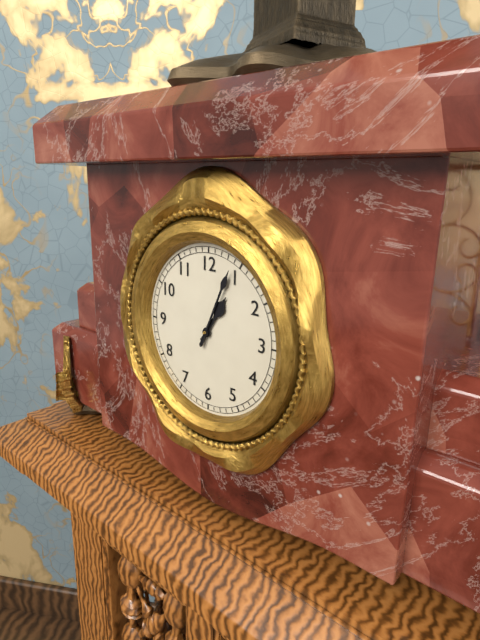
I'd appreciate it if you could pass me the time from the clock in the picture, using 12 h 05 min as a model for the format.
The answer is 1 h 04 min
